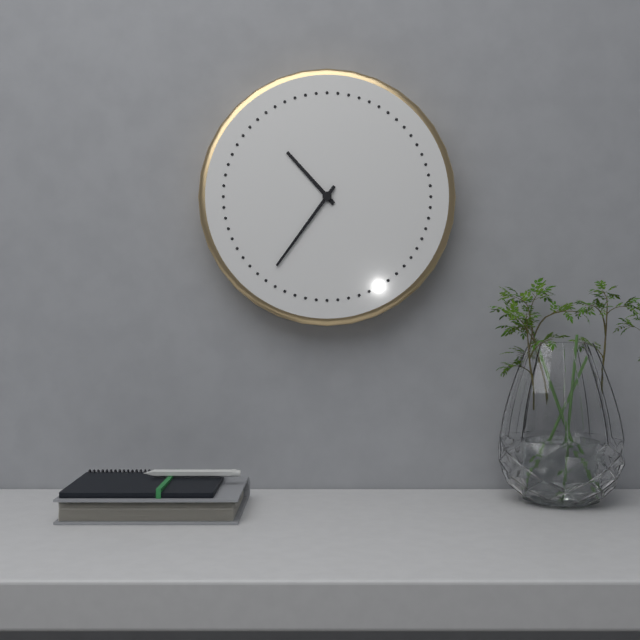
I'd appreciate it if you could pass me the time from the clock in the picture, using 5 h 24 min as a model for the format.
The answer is 10 h 36 min
